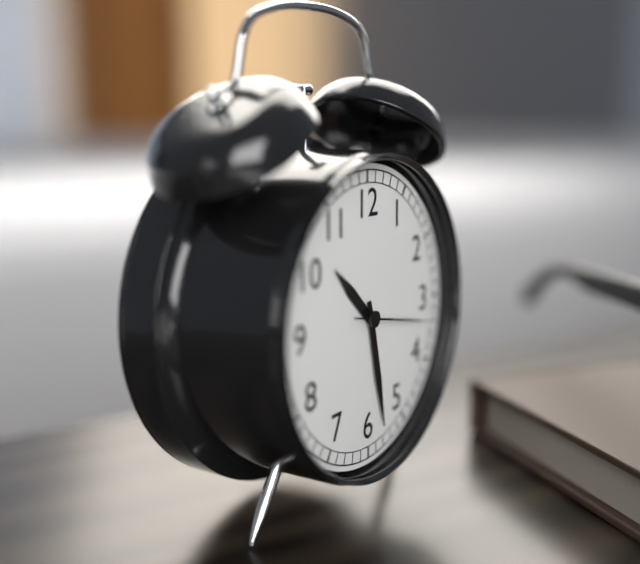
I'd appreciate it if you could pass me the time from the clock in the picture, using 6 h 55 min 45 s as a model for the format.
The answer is 10 h 28 min 17 s
